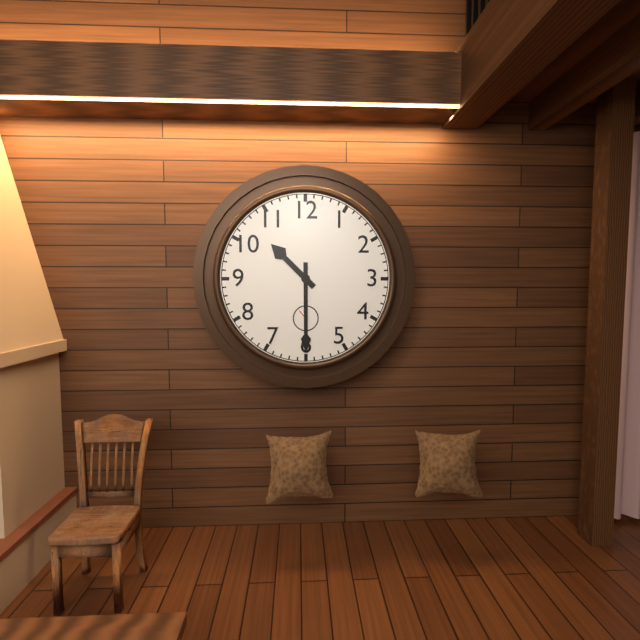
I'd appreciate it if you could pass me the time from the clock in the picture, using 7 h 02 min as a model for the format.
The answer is 10 h 30 min
